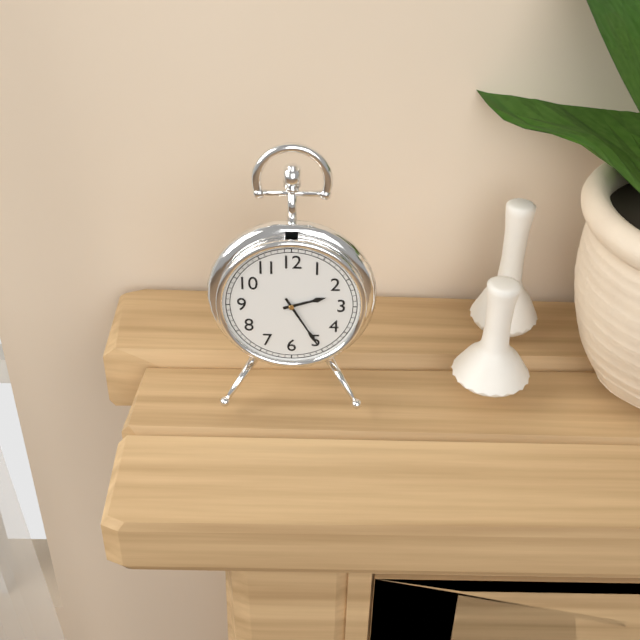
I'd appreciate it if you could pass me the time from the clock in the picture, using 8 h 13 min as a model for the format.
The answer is 2 h 25 min
